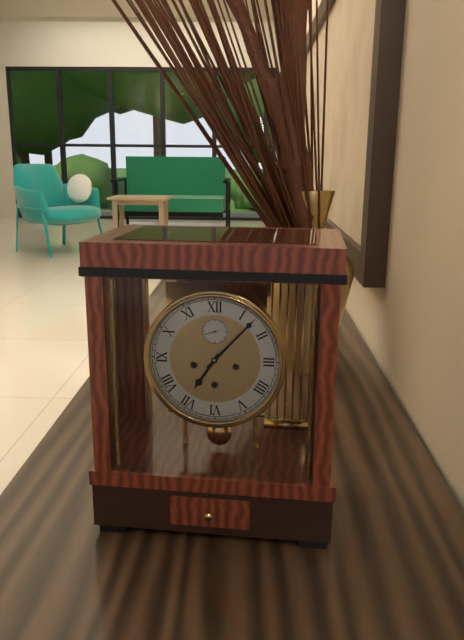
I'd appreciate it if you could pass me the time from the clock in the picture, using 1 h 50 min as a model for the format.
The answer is 7 h 07 min
